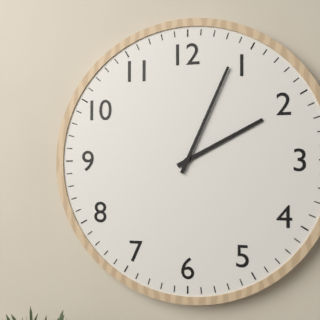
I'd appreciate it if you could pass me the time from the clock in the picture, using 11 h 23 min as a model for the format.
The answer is 2 h 04 min
